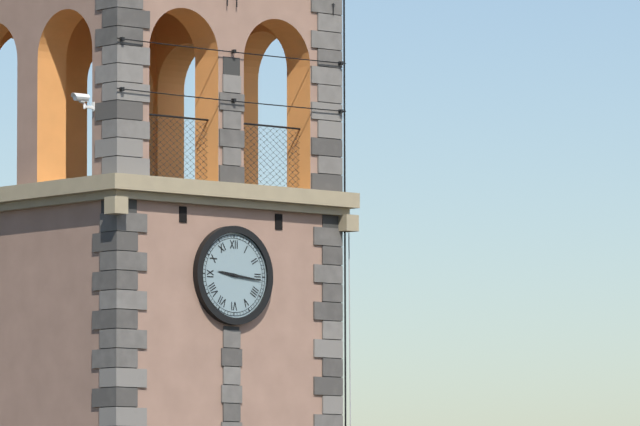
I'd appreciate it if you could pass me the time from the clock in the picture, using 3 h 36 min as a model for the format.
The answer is 9 h 16 min
